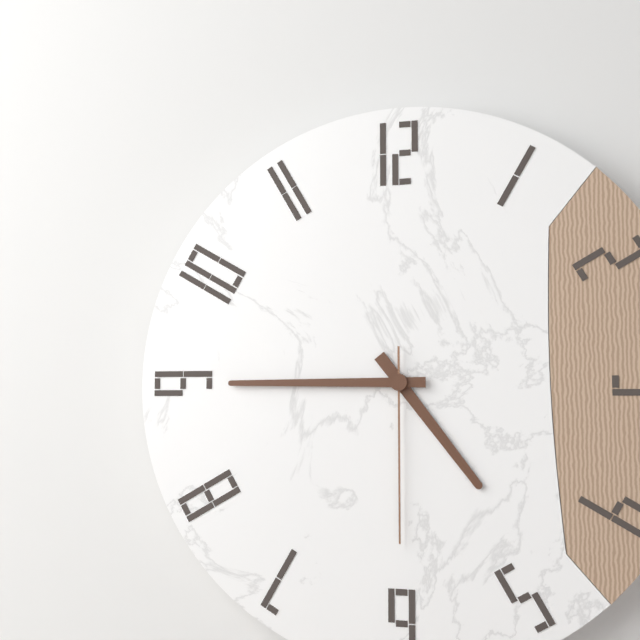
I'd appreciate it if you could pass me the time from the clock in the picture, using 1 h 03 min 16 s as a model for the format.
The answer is 4 h 45 min 30 s
